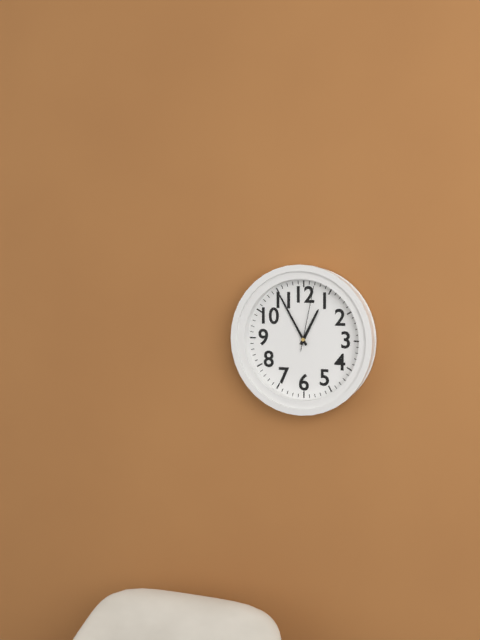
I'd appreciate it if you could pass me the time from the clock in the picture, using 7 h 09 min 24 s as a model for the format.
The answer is 12 h 55 min 02 s
